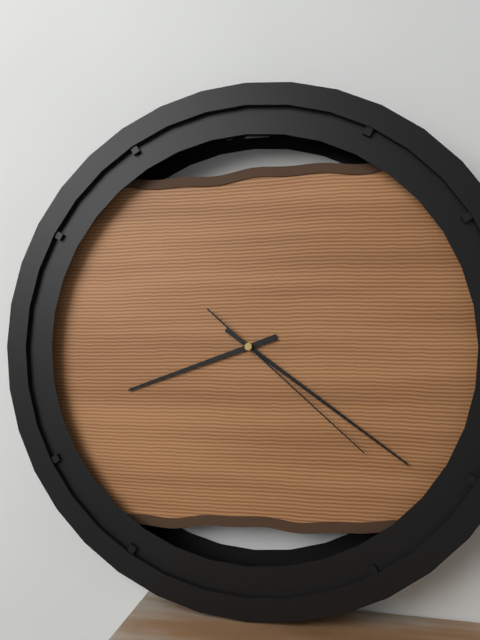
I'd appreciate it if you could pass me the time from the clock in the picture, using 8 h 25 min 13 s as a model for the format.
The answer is 8 h 21 min 22 s
